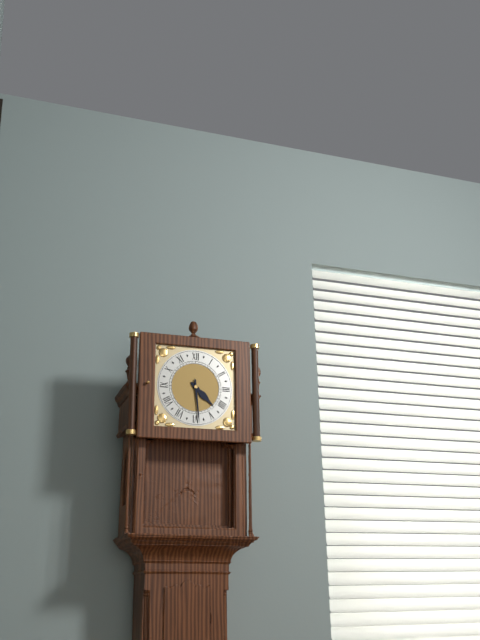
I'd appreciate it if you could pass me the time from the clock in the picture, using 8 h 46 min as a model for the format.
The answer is 4 h 29 min
